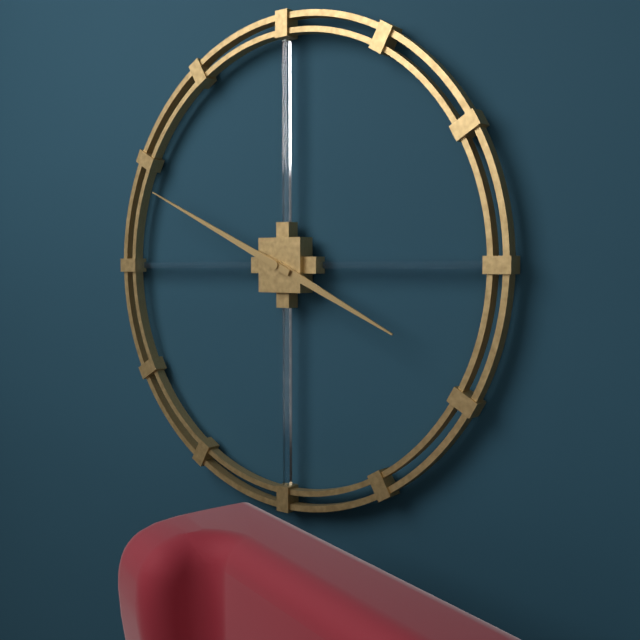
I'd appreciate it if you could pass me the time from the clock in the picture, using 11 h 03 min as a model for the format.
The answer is 3 h 49 min
